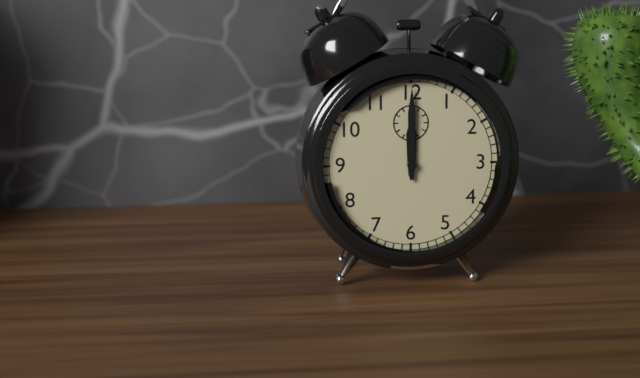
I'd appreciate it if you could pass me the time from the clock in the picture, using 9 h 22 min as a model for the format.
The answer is 12 h 00 min
